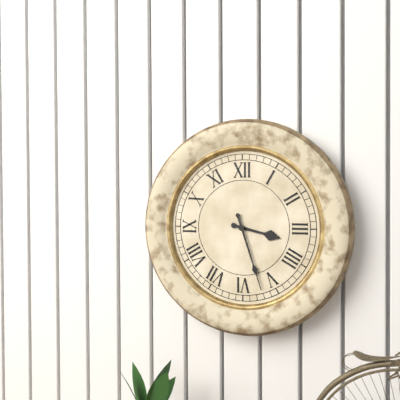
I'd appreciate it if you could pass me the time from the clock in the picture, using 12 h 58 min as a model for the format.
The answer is 3 h 27 min
